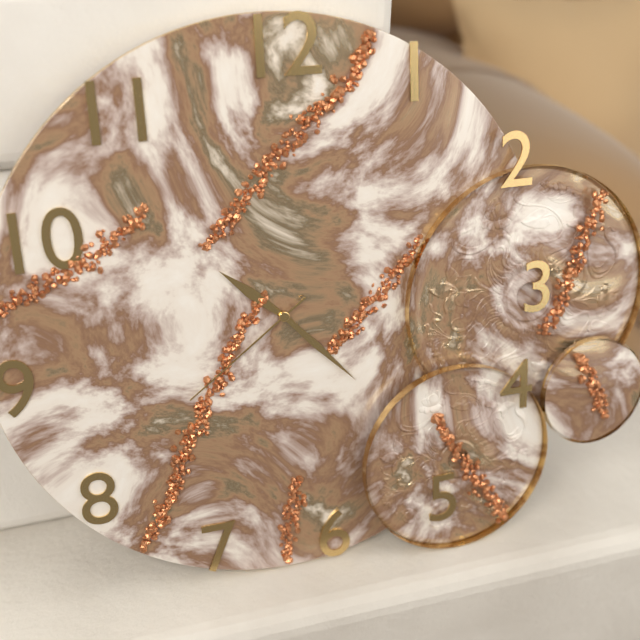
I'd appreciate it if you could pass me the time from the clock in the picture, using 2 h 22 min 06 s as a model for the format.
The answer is 10 h 23 min 39 s
